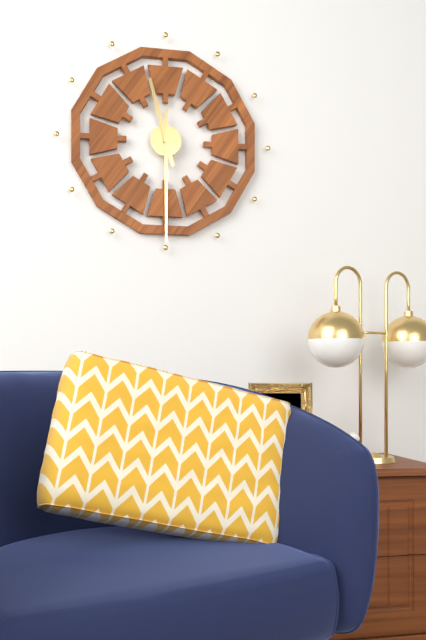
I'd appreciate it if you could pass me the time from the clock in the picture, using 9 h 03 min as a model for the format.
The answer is 11 h 30 min
